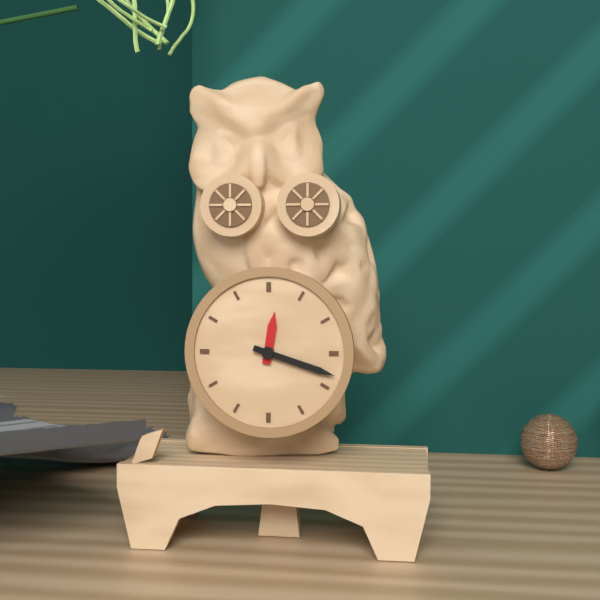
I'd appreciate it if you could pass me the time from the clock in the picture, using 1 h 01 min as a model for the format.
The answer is 12 h 18 min
